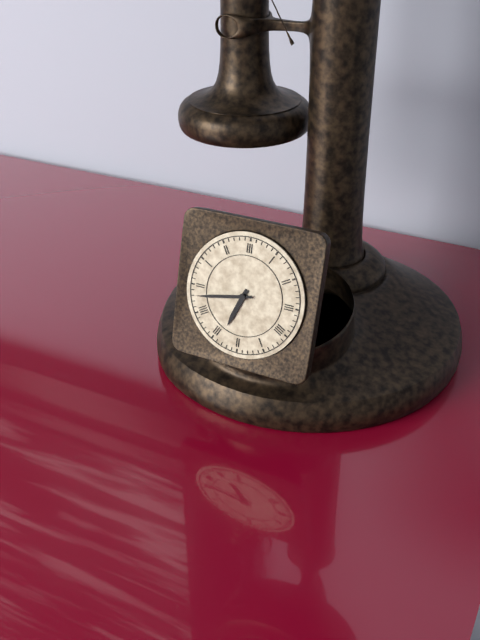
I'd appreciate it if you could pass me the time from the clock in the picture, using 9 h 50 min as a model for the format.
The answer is 6 h 43 min
